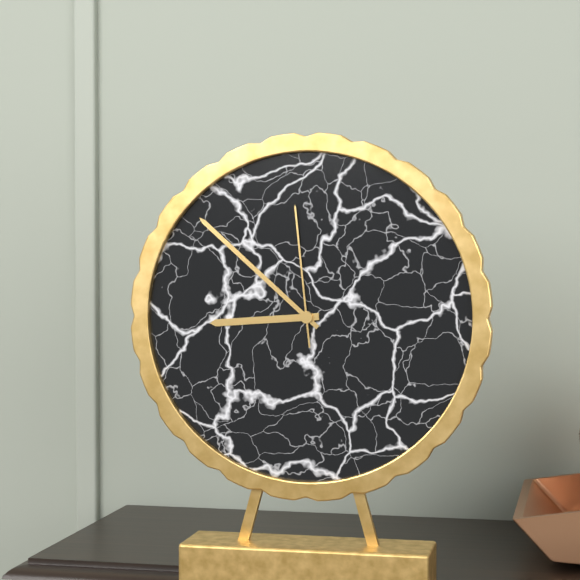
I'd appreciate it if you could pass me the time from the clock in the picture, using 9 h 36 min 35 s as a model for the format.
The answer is 8 h 52 min 59 s
